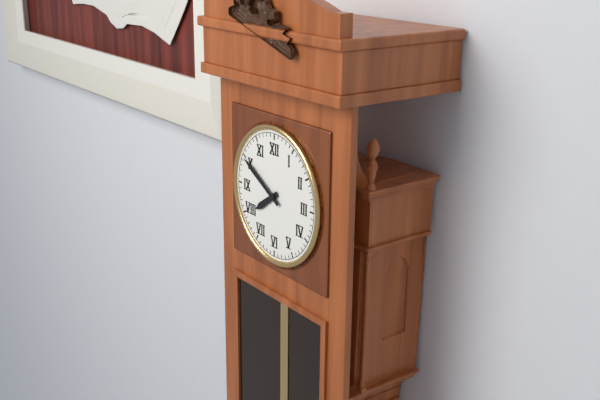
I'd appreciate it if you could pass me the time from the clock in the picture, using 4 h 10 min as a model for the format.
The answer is 7 h 50 min
